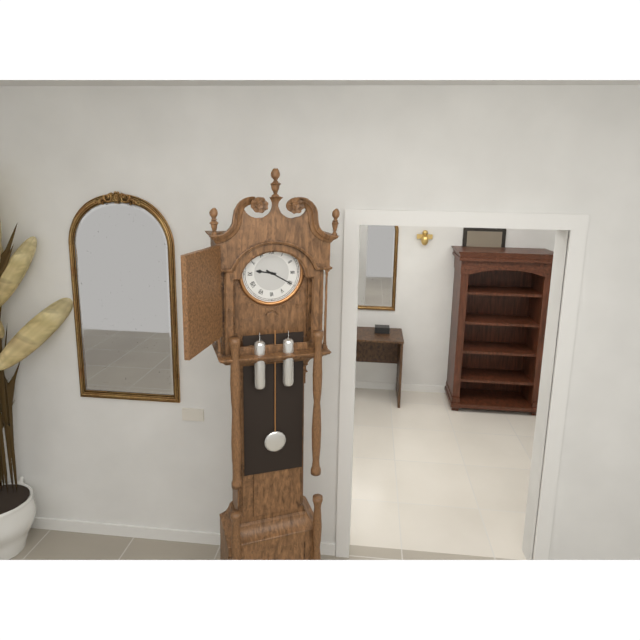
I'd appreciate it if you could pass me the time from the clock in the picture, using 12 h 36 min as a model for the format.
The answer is 9 h 20 min
